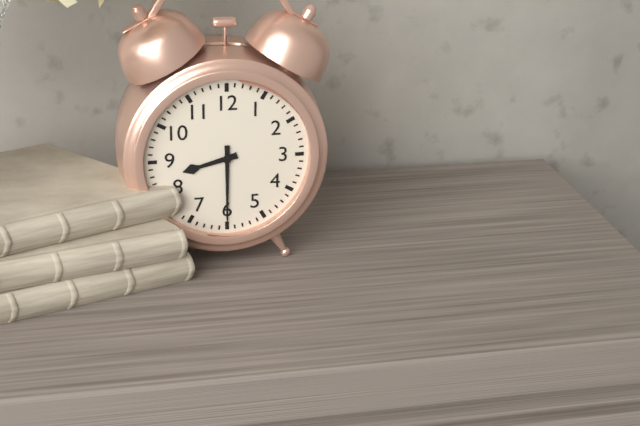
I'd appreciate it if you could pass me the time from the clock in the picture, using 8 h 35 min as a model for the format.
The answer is 8 h 30 min
